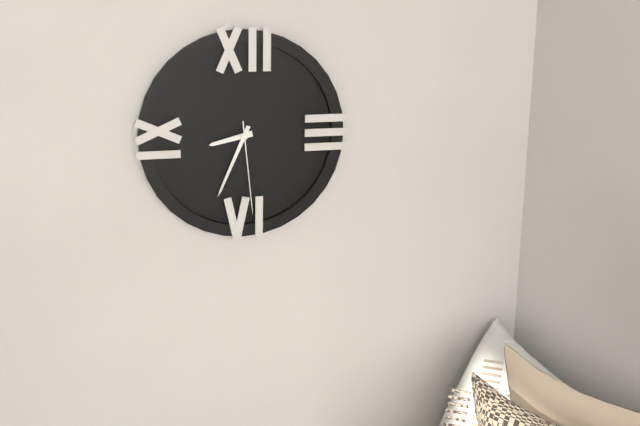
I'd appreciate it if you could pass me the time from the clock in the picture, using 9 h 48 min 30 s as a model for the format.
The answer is 8 h 34 min 29 s
